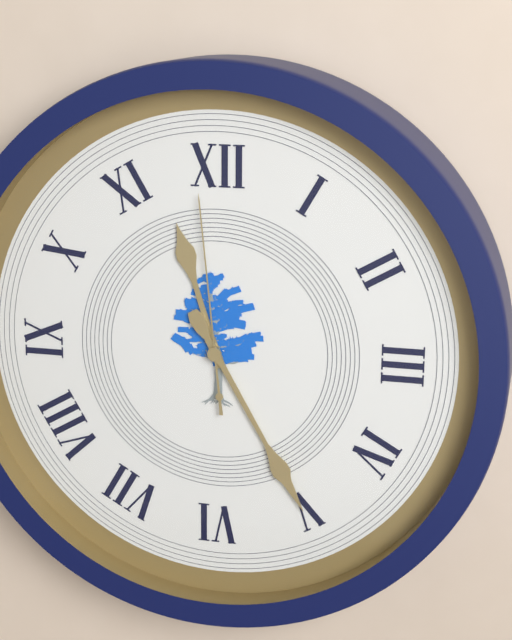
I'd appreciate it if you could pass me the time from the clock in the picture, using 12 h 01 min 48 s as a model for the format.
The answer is 11 h 25 min 59 s
